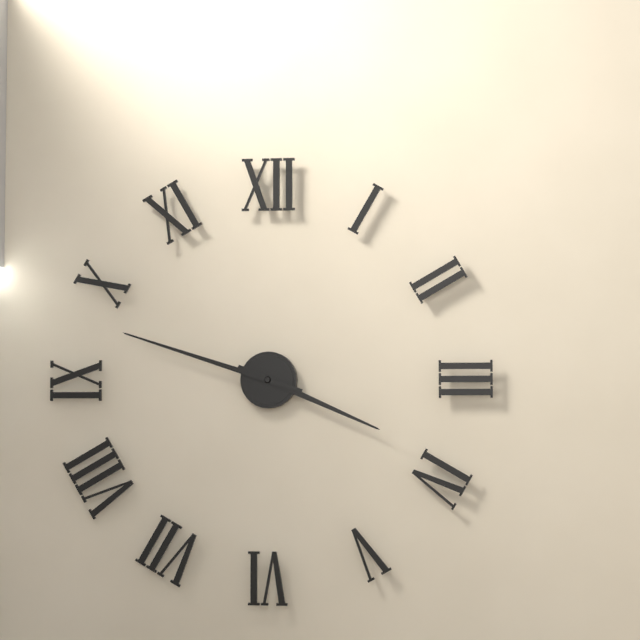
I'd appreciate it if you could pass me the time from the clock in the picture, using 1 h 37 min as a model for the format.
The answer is 3 h 48 min
